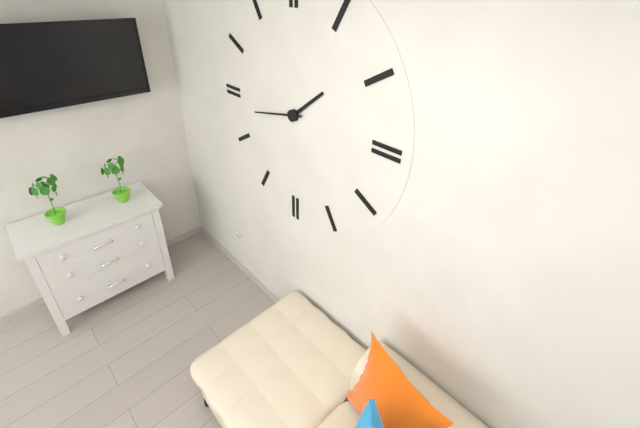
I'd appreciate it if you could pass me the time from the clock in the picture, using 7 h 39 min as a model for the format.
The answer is 1 h 43 min
